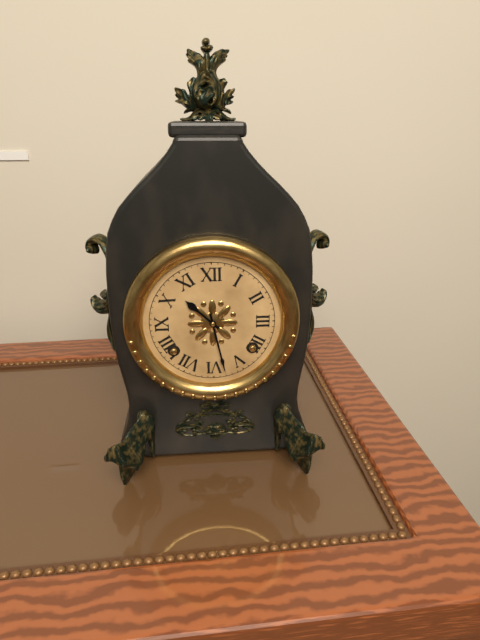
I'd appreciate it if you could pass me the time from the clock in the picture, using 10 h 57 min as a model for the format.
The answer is 10 h 28 min
